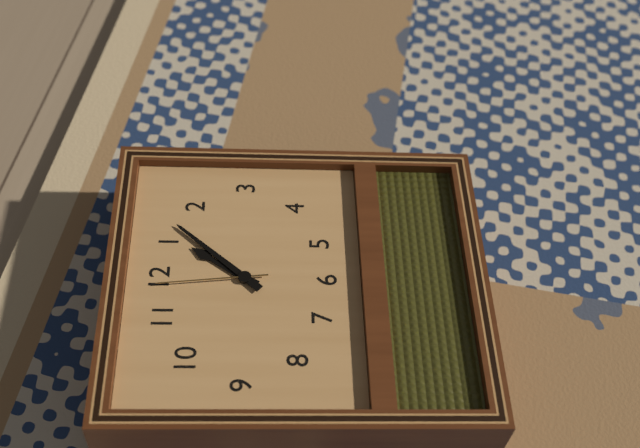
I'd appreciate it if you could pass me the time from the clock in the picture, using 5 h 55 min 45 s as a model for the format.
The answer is 1 h 07 min 59 s
